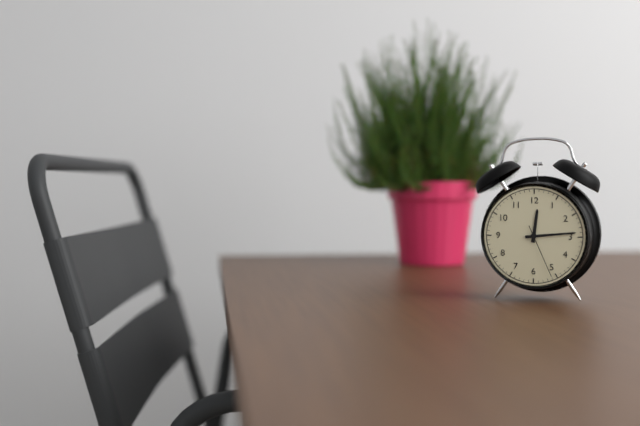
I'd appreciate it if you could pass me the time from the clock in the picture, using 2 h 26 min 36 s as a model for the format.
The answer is 12 h 14 min 26 s
